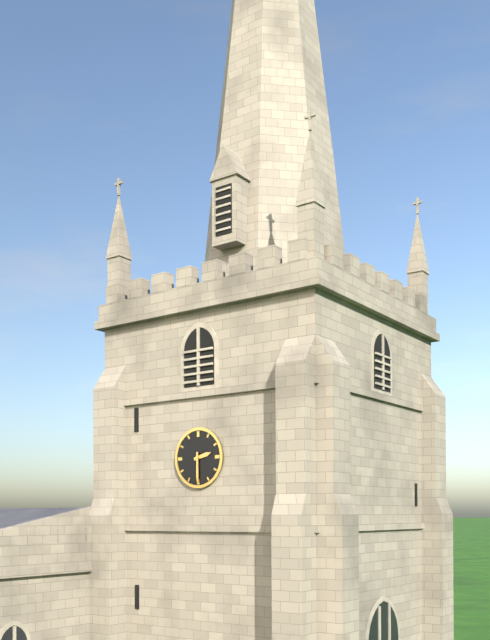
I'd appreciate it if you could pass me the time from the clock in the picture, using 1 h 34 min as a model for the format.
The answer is 2 h 30 min
